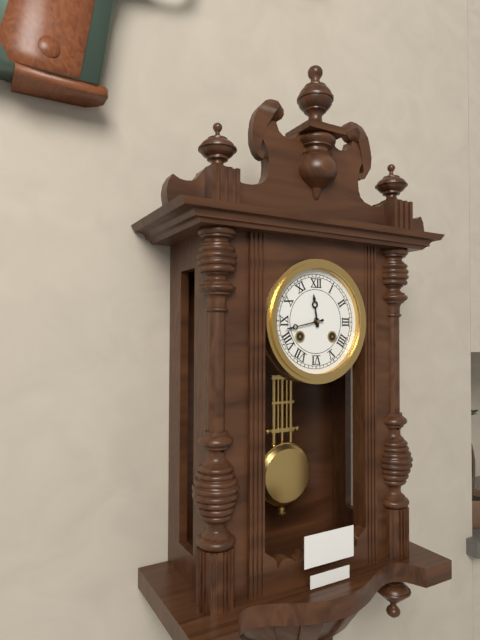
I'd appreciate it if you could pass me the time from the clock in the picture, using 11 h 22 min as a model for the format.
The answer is 11 h 43 min
